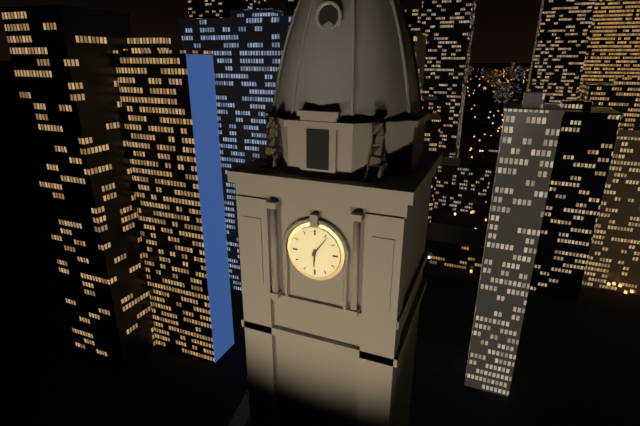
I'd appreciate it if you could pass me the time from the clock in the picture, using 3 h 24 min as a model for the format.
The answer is 6 h 06 min
